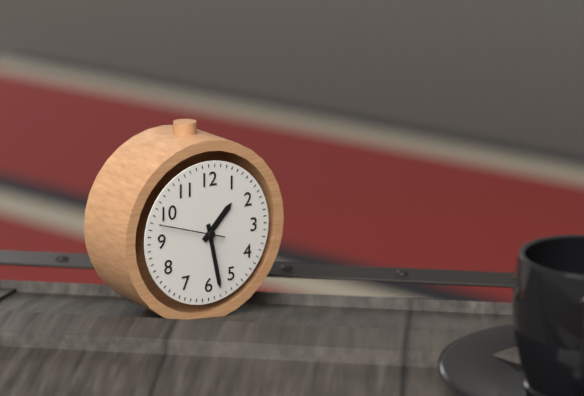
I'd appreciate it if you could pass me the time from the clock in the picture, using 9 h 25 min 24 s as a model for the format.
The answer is 1 h 28 min 48 s
